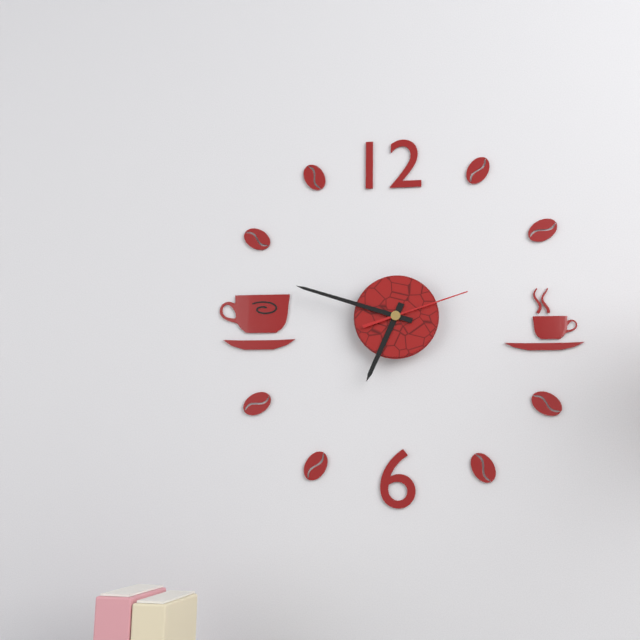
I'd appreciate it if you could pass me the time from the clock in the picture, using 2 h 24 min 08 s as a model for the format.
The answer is 6 h 48 min 12 s
